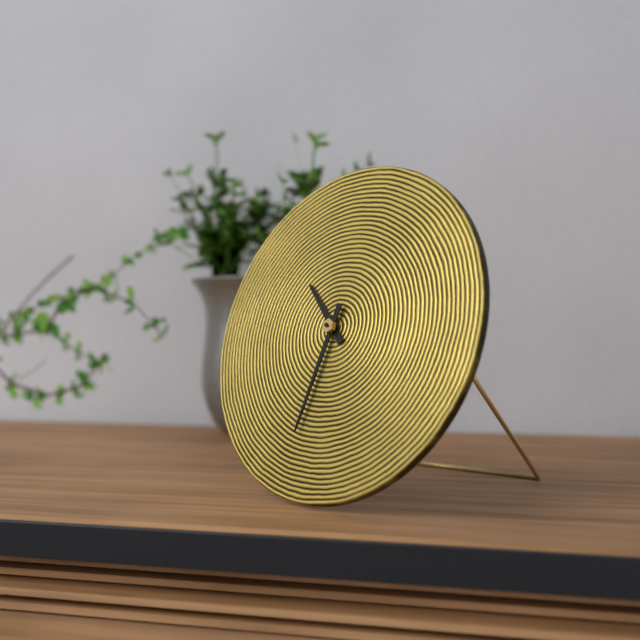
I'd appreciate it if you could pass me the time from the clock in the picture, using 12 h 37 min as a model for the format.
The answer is 10 h 32 min
